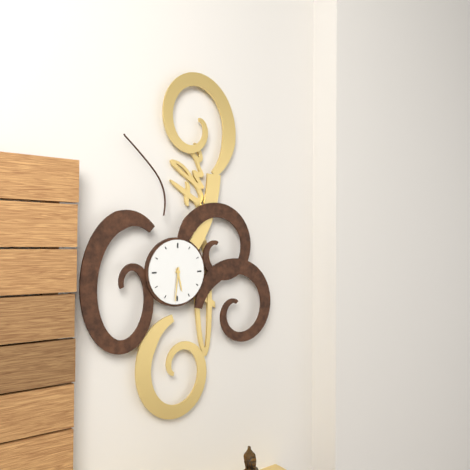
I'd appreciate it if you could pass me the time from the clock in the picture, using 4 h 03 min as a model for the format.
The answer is 5 h 31 min
